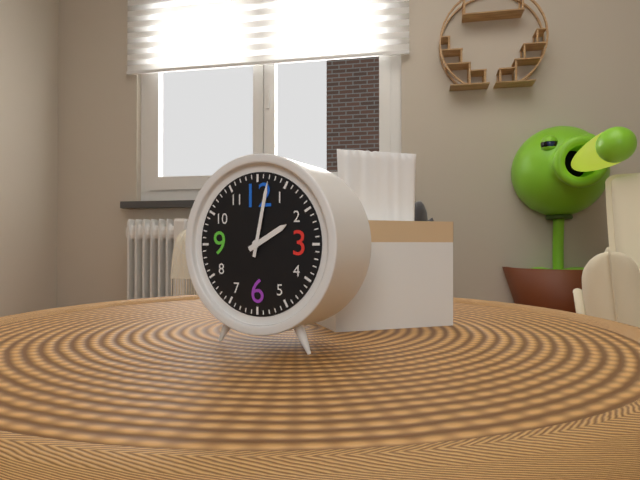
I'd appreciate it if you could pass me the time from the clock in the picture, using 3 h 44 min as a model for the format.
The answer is 2 h 02 min
